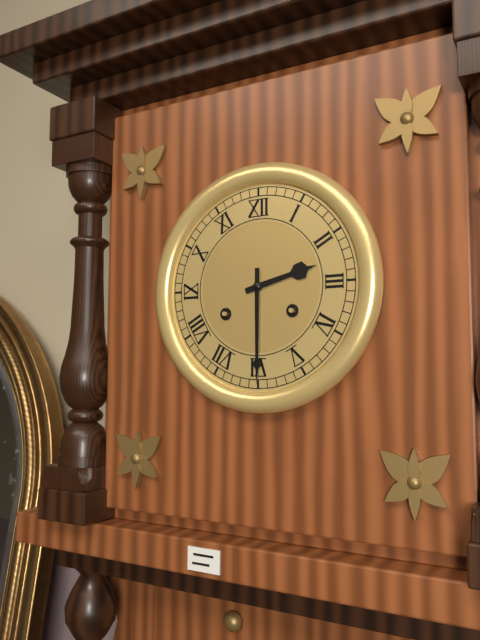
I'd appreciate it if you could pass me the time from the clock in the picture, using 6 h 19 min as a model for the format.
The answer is 2 h 30 min
